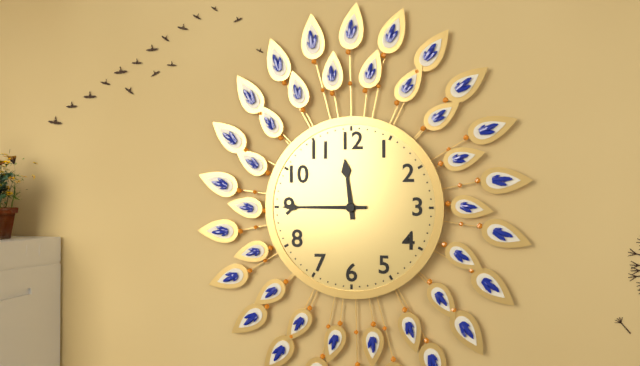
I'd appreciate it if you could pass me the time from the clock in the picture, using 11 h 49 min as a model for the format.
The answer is 11 h 45 min
